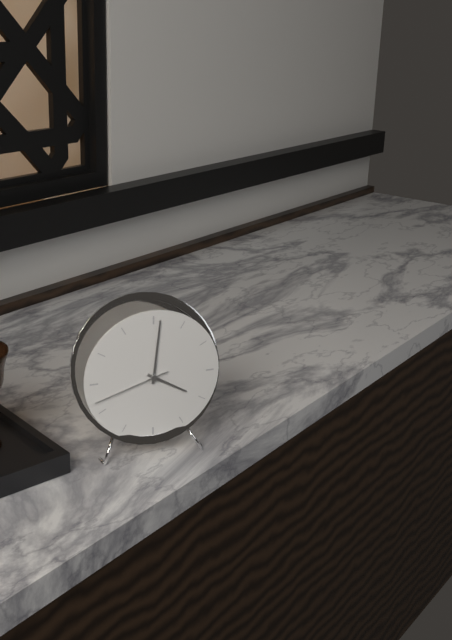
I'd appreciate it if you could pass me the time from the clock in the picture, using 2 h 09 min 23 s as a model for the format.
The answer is 4 h 01 min 42 s
